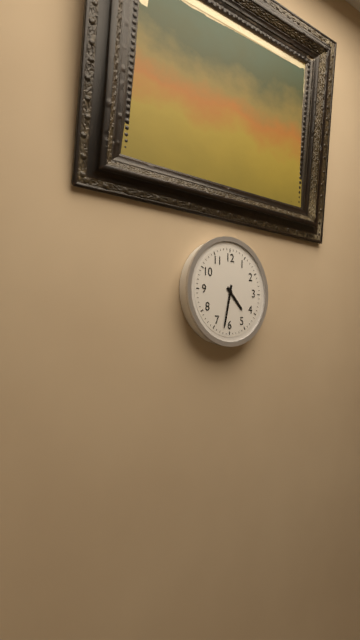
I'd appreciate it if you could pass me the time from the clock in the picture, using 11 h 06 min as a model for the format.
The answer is 4 h 32 min
